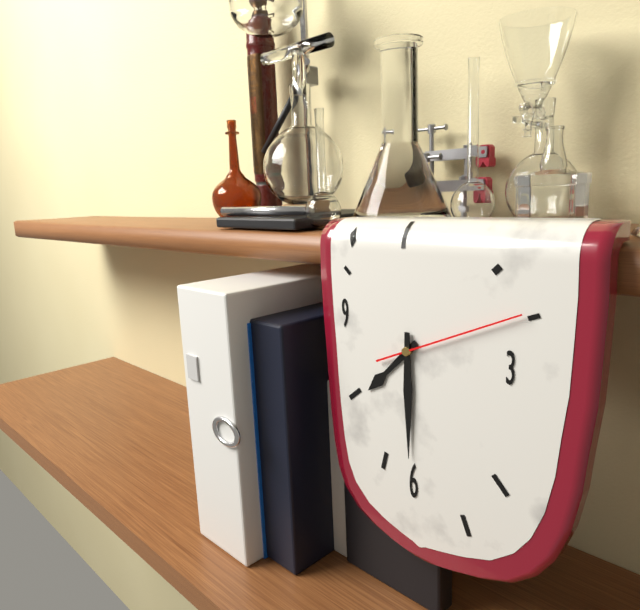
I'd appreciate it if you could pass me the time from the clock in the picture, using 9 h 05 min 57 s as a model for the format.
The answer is 7 h 30 min 11 s
